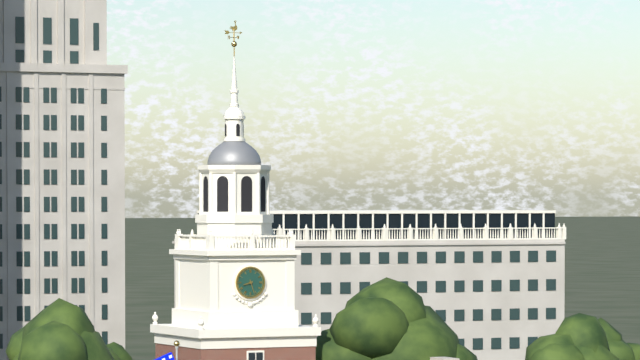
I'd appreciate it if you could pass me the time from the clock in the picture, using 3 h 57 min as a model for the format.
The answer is 8 h 27 min
